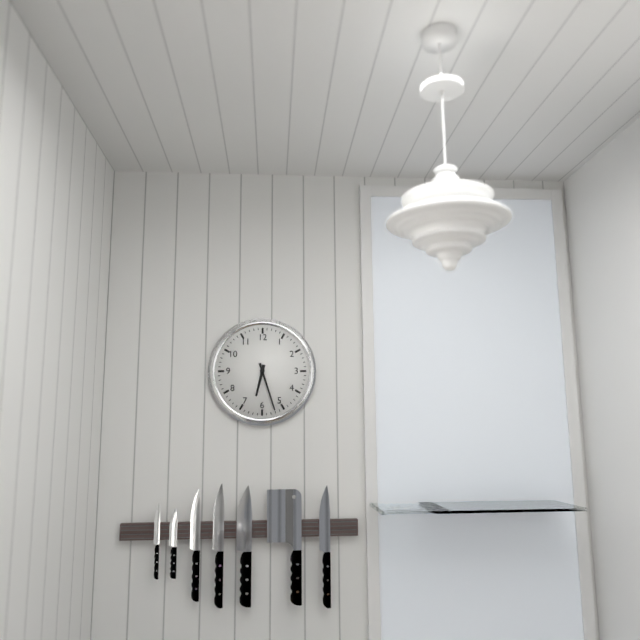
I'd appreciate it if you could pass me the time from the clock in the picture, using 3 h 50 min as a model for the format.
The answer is 6 h 27 min
